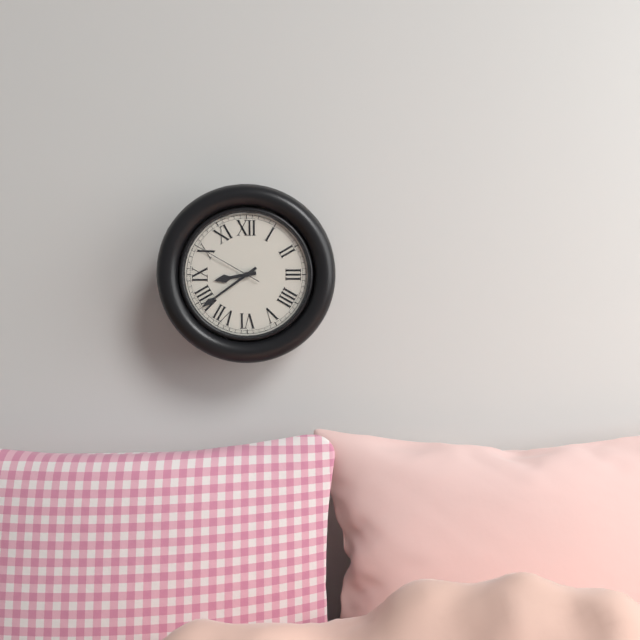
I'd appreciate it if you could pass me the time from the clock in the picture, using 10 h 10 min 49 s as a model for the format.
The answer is 8 h 39 min 50 s
